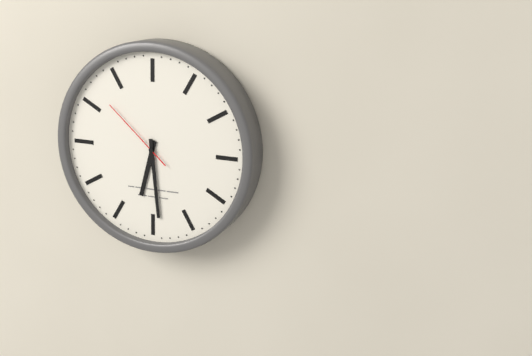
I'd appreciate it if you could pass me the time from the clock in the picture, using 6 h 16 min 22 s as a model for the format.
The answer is 6 h 29 min 52 s
